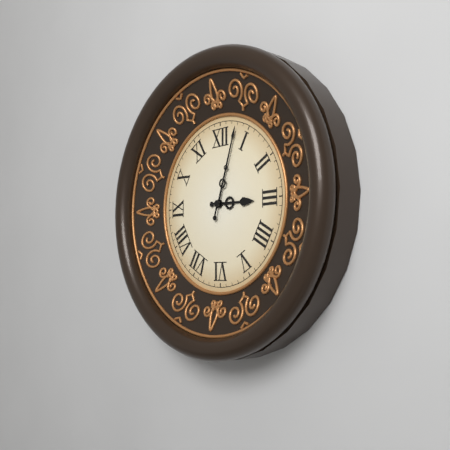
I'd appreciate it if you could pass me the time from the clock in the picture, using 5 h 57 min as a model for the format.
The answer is 3 h 03 min
